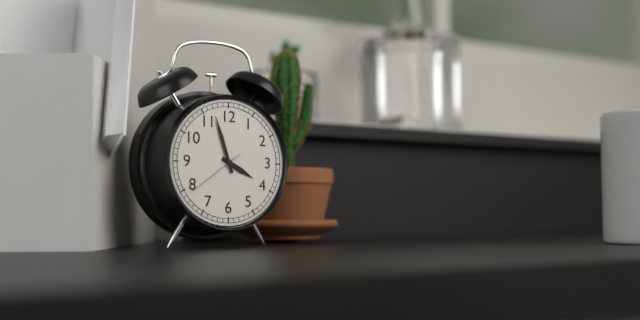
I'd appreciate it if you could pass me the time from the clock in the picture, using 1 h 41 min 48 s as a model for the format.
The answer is 3 h 57 min 39 s
